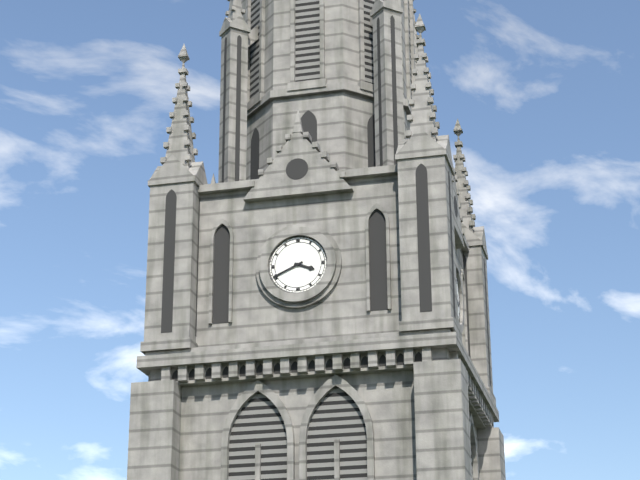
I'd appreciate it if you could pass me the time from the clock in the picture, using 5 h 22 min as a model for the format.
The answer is 3 h 41 min
